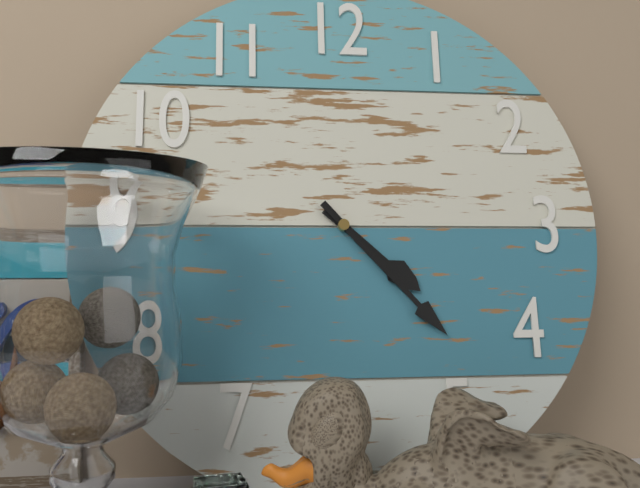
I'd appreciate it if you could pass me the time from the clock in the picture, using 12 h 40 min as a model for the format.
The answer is 4 h 23 min
